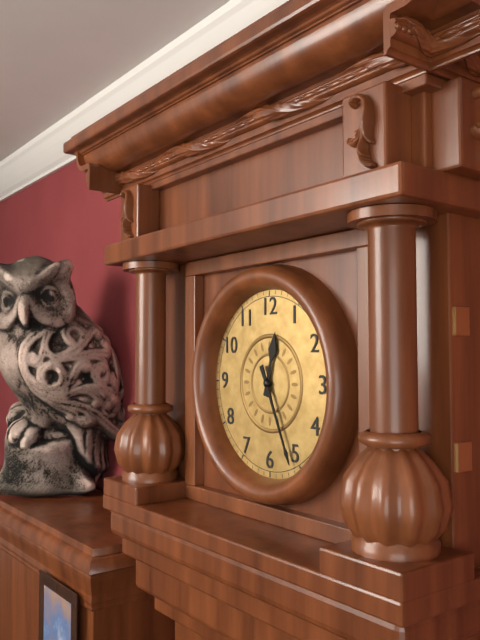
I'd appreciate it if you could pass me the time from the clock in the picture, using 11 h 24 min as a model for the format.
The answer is 12 h 26 min
